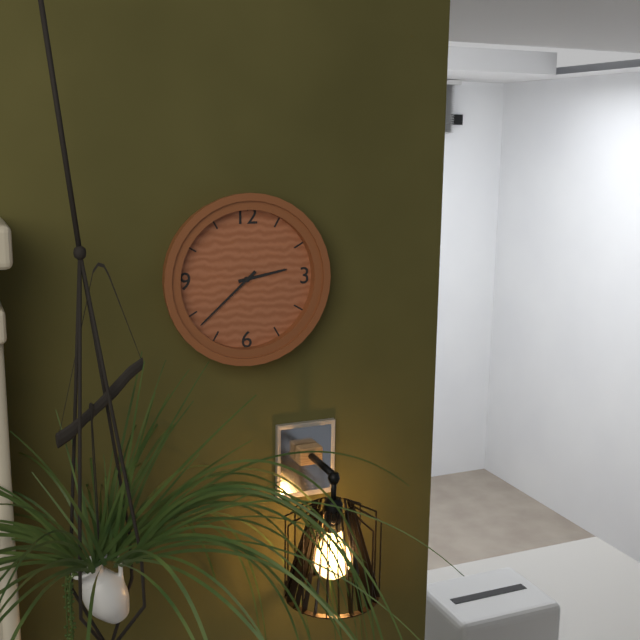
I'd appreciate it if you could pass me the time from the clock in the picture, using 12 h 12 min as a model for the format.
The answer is 2 h 38 min
